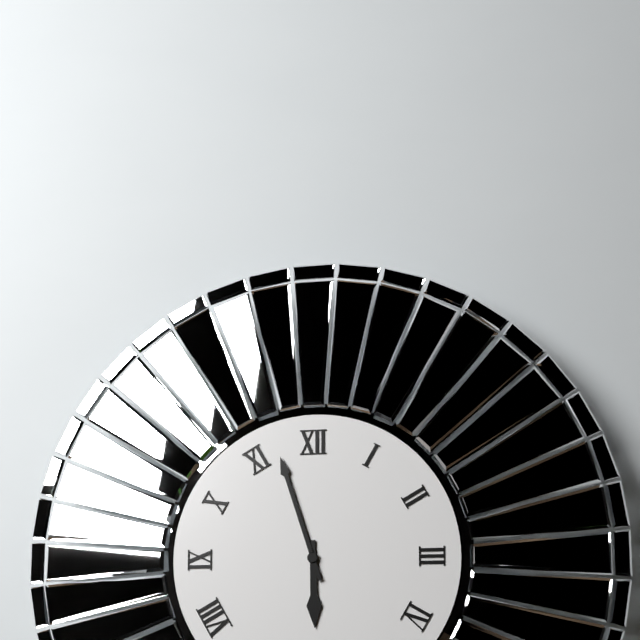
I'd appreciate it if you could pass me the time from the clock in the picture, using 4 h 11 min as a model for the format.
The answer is 5 h 57 min
